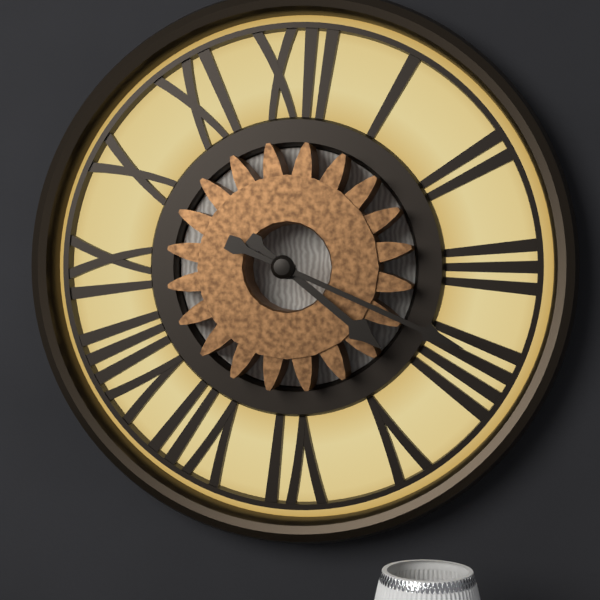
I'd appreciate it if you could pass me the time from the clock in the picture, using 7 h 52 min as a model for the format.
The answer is 4 h 19 min
